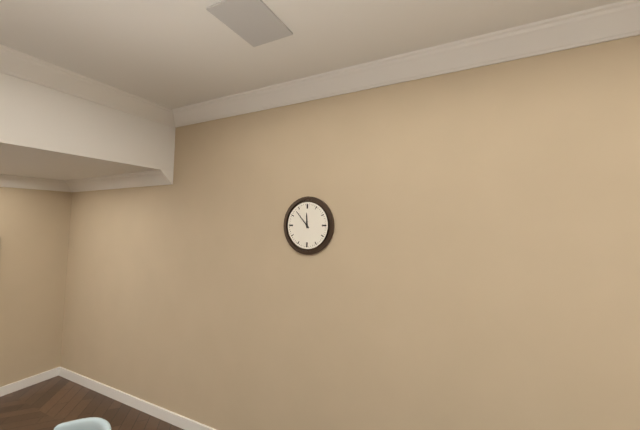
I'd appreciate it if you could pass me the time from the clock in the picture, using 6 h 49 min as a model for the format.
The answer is 11 h 53 min
